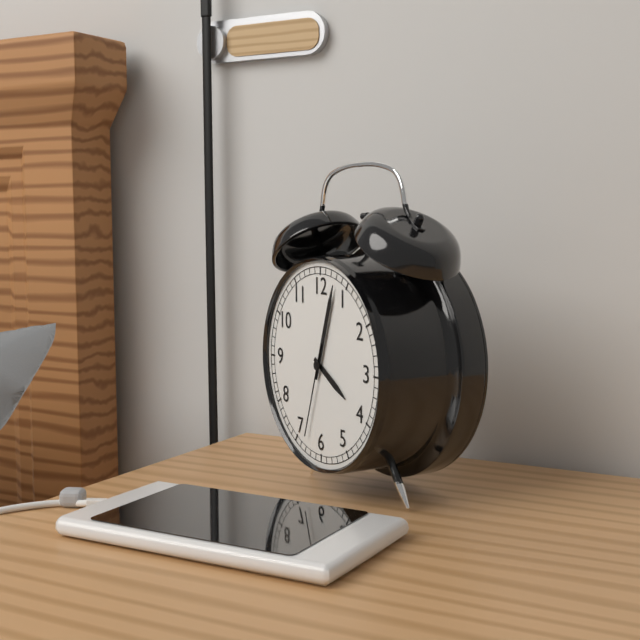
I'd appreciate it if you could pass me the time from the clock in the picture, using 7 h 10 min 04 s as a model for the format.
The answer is 4 h 03 min 33 s
